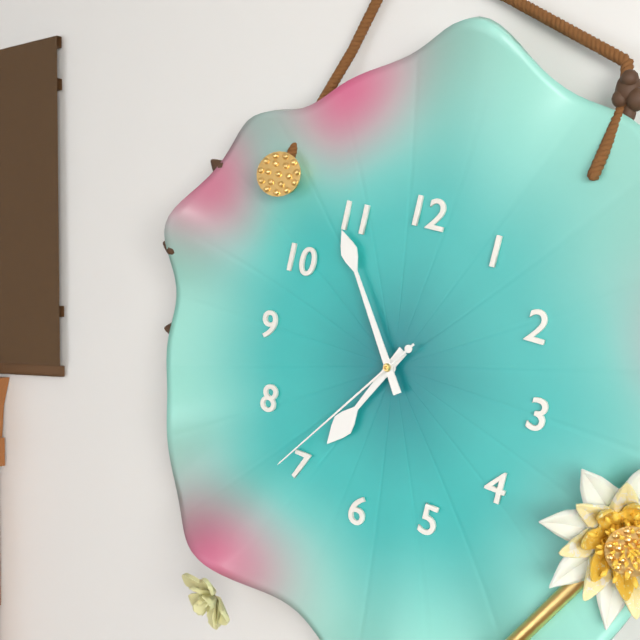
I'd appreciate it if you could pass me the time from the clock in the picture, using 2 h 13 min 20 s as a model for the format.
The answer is 6 h 54 min 36 s
